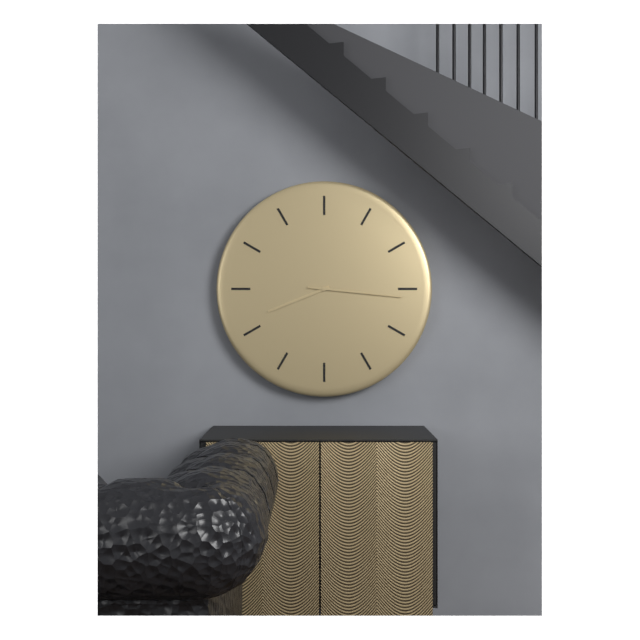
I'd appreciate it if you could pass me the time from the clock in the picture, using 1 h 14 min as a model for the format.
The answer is 8 h 16 min
